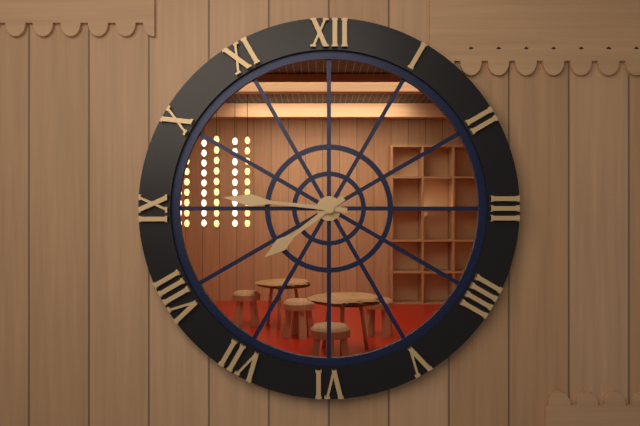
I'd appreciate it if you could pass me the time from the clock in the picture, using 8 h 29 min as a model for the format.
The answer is 7 h 46 min
